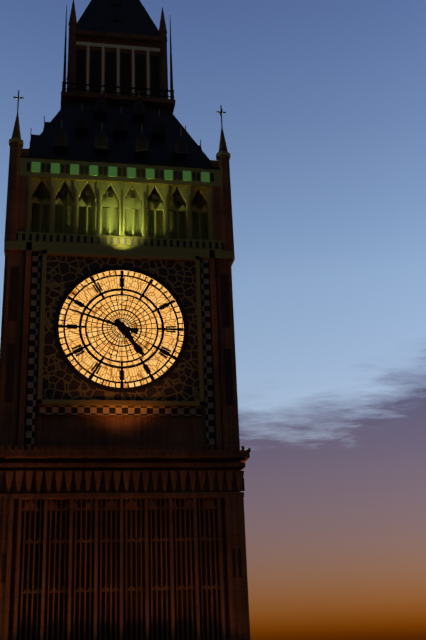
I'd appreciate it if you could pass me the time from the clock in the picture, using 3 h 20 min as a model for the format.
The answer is 4 h 48 min
